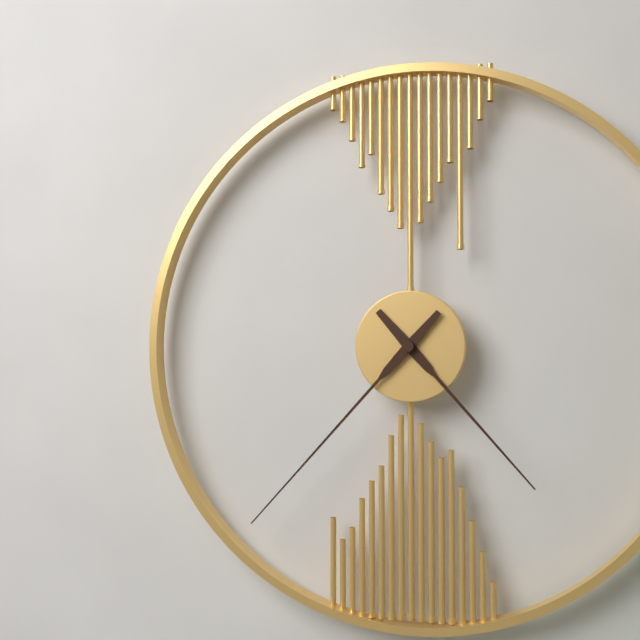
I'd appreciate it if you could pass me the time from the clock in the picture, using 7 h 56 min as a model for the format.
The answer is 4 h 37 min
